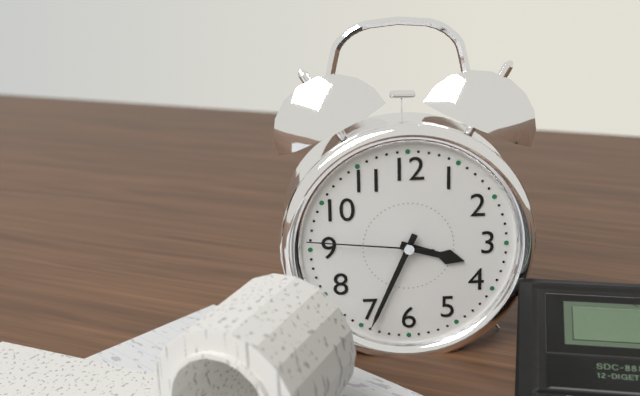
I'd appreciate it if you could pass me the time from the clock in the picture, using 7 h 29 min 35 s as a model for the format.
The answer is 3 h 34 min 46 s
